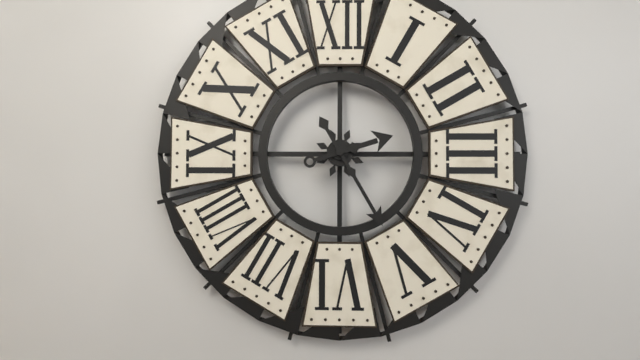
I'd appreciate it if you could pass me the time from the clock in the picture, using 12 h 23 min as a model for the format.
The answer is 2 h 25 min
